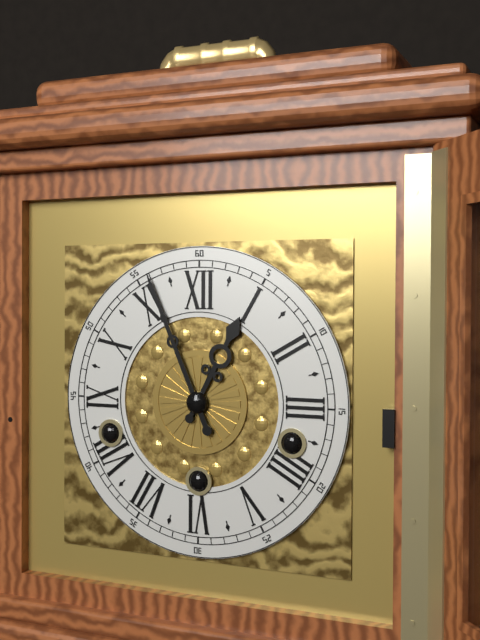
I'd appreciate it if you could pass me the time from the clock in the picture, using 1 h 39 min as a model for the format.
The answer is 12 h 56 min
